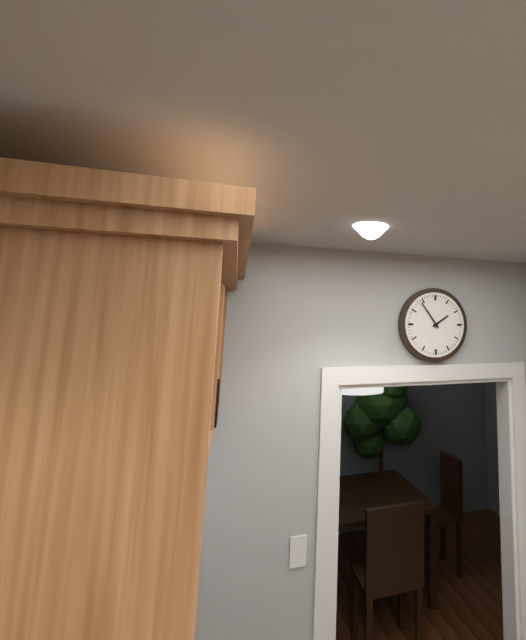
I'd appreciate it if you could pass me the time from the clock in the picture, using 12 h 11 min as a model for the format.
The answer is 1 h 54 min
